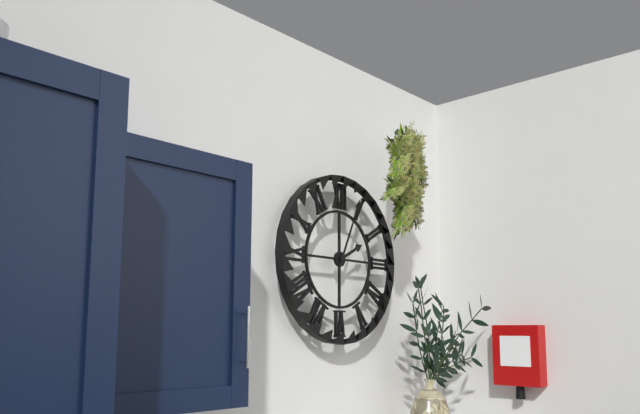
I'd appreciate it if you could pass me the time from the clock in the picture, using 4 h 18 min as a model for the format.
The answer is 2 h 04 min
